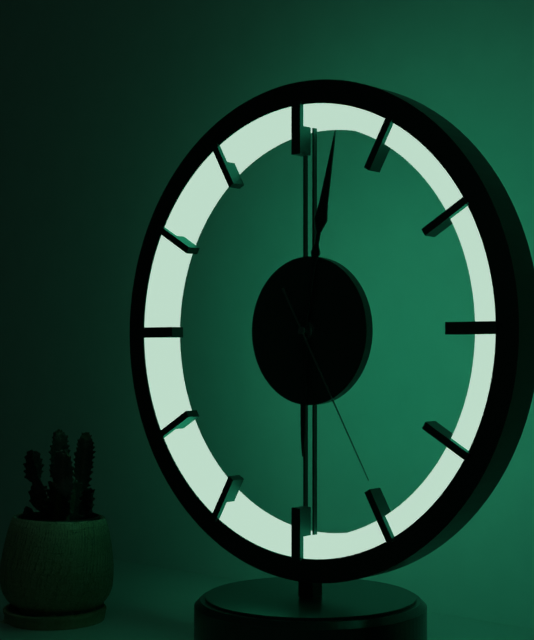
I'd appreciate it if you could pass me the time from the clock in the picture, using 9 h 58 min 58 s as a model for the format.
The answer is 6 h 02 min 25 s
